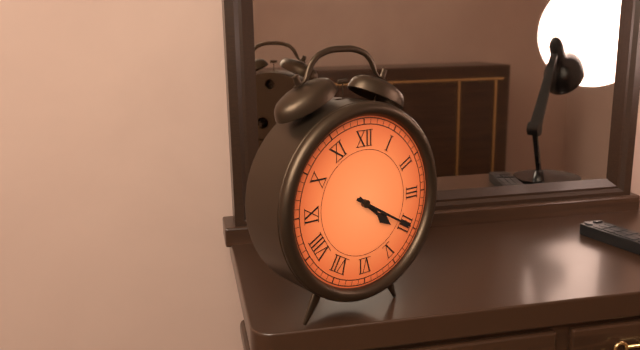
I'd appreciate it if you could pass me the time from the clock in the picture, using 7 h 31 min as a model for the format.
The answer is 4 h 20 min
